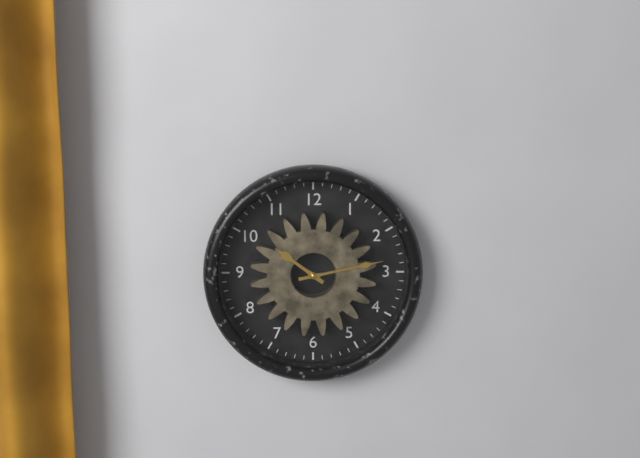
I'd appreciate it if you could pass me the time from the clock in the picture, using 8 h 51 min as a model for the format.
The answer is 10 h 13 min
